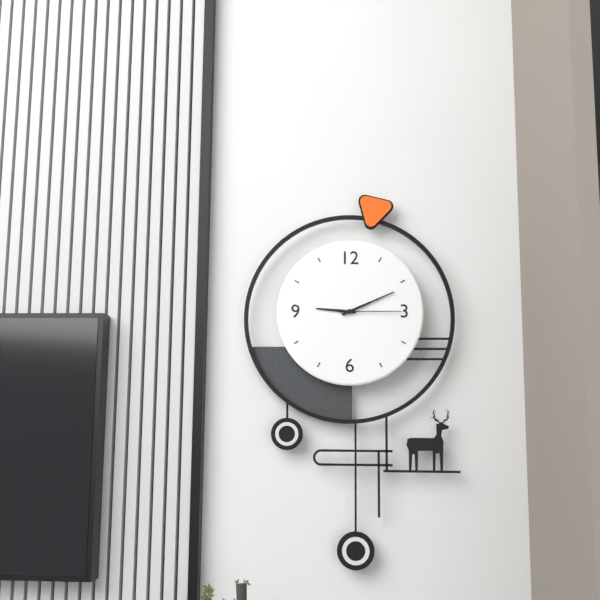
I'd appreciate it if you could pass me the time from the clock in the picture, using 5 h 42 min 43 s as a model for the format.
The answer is 9 h 11 min 15 s
